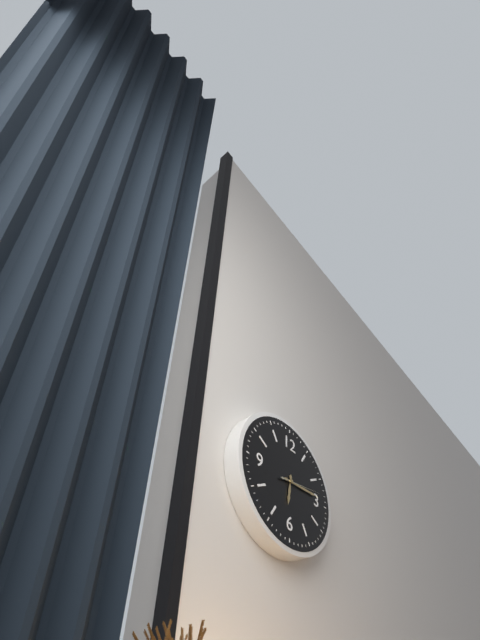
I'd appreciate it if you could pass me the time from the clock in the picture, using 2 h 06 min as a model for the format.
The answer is 6 h 14 min
